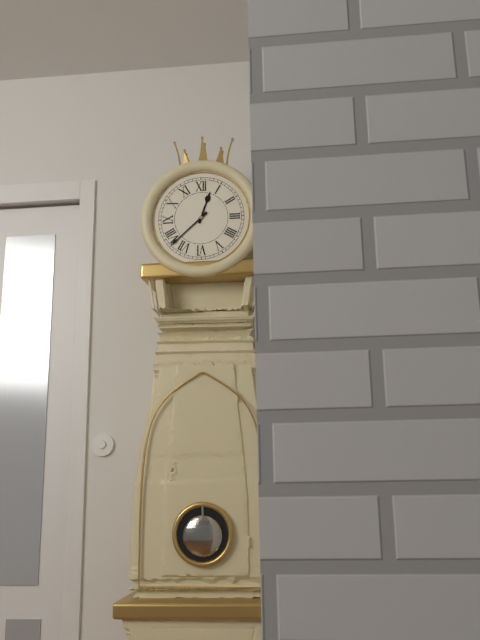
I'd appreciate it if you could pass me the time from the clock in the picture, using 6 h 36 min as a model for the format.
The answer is 12 h 38 min
